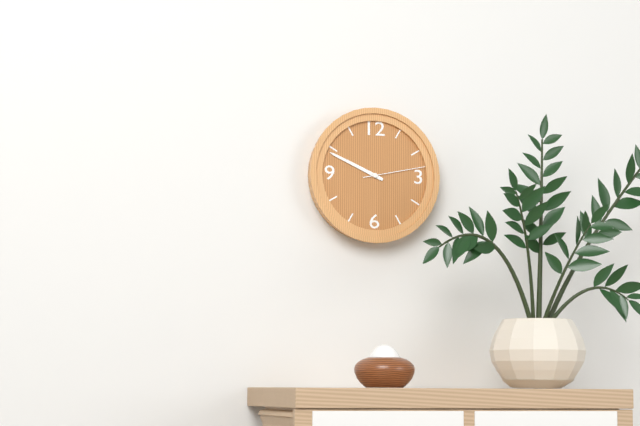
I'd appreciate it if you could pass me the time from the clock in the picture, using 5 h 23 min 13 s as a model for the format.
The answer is 9 h 49 min 13 s
